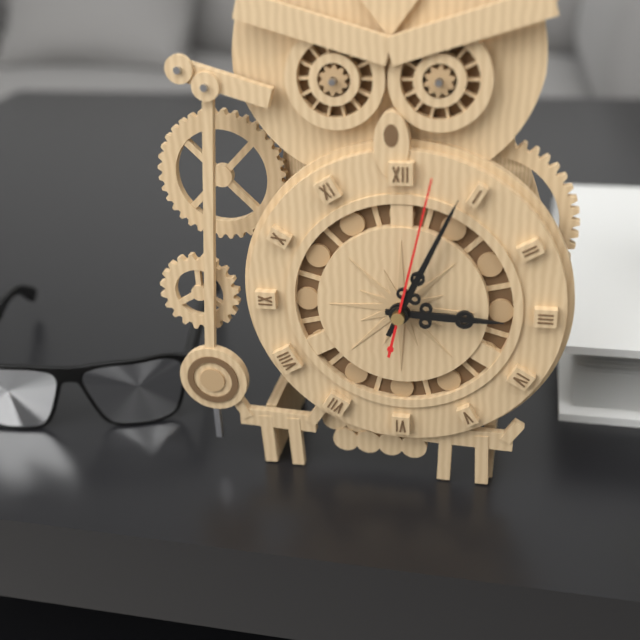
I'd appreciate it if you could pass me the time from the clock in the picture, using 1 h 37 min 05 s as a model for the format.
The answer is 3 h 04 min 02 s
